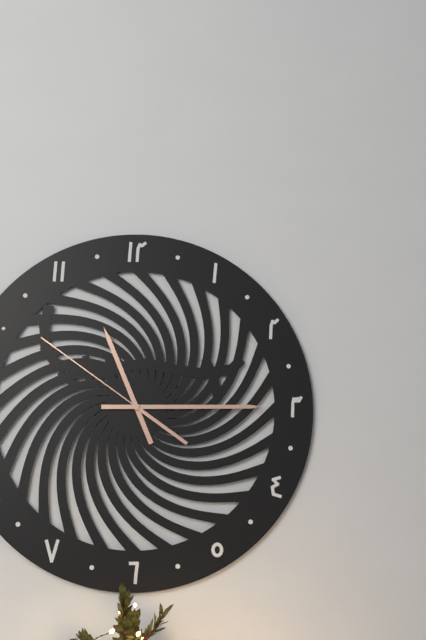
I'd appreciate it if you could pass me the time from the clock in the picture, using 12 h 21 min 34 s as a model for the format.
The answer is 11 h 15 min 51 s
